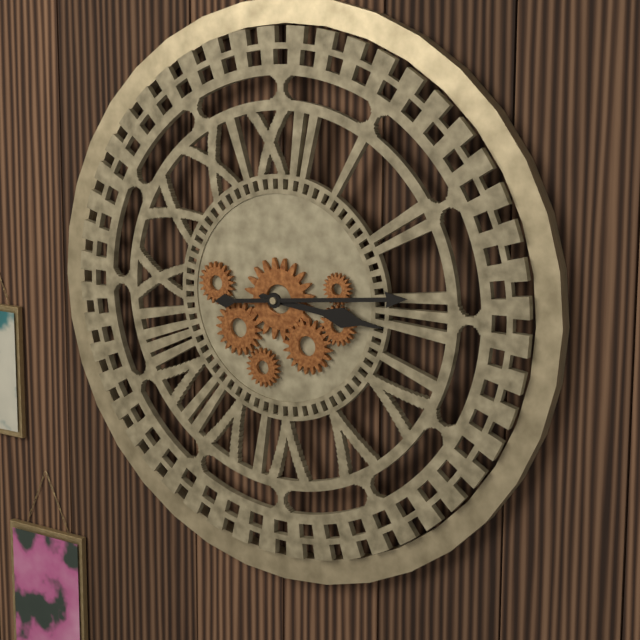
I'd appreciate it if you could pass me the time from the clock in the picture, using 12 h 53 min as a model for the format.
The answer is 3 h 14 min
